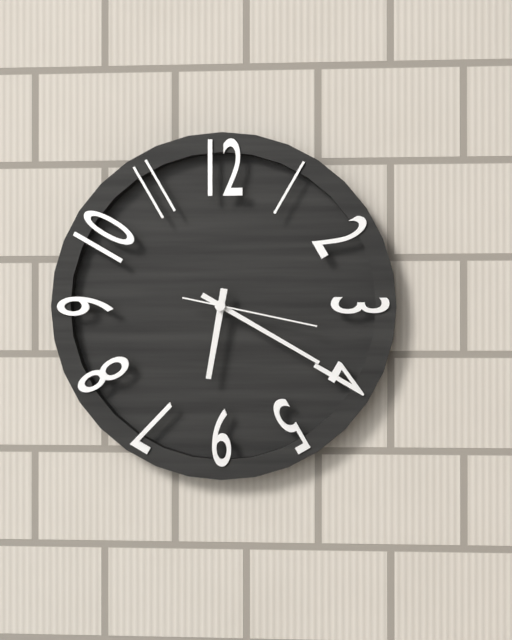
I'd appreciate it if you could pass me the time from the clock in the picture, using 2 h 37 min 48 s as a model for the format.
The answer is 6 h 20 min 17 s
